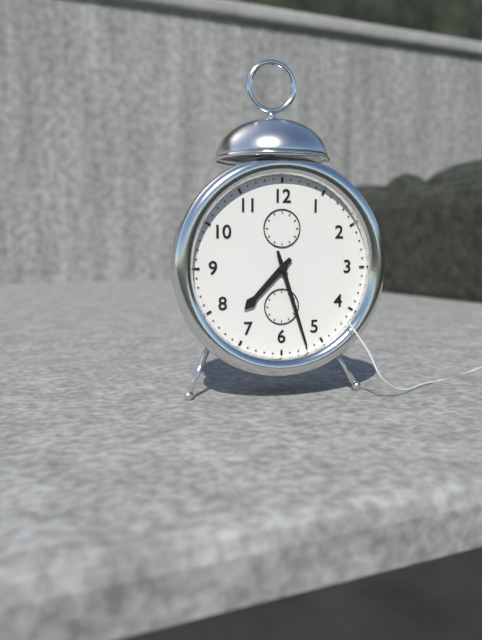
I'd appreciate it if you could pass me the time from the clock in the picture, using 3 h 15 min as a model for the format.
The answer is 7 h 27 min
